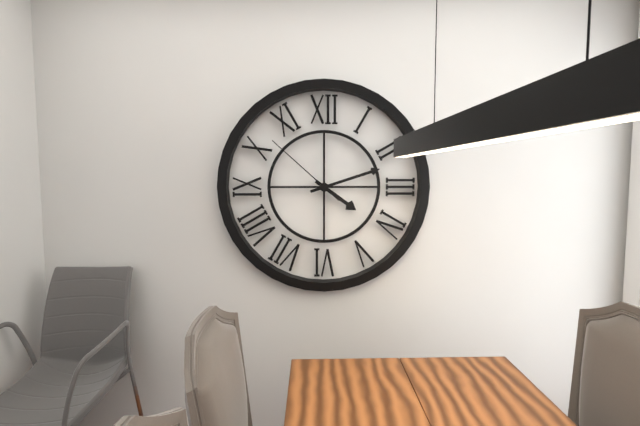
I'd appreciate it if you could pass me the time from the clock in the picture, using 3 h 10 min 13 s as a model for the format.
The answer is 4 h 12 min 52 s
